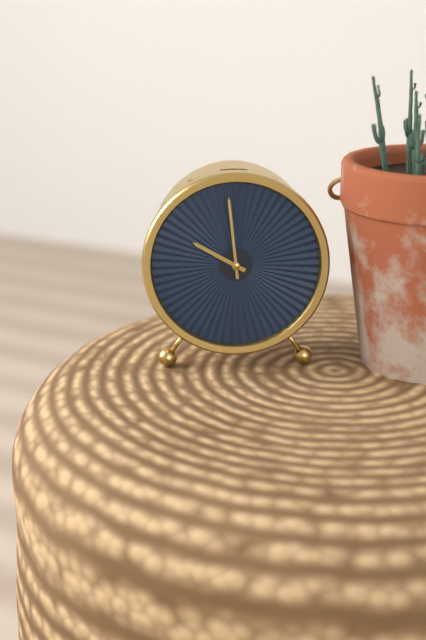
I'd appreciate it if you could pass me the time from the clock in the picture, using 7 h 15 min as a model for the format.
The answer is 9 h 59 min
